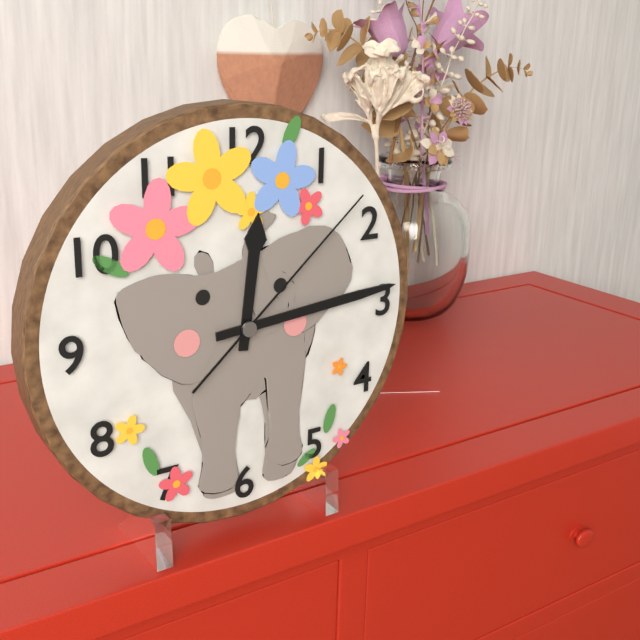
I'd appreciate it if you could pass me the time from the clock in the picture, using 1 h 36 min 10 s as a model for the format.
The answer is 12 h 14 min 08 s
